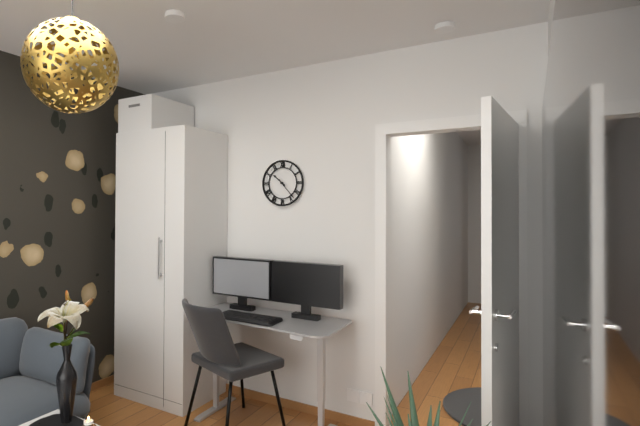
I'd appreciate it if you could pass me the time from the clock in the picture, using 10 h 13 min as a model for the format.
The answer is 10 h 23 min
